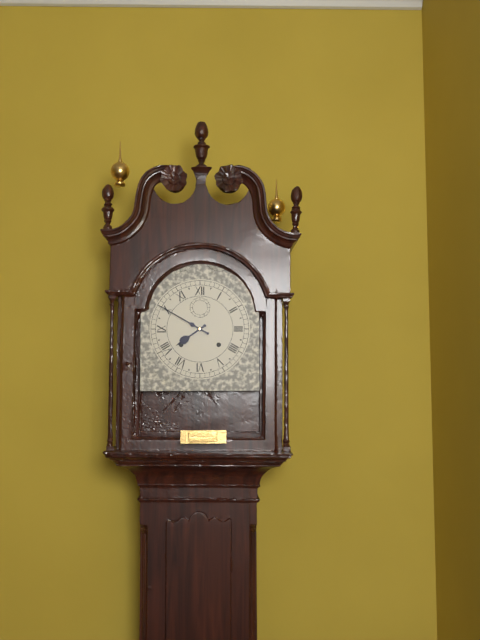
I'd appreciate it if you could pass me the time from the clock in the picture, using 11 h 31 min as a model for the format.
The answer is 7 h 50 min
